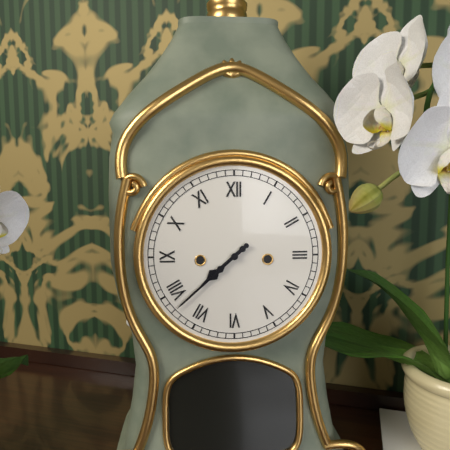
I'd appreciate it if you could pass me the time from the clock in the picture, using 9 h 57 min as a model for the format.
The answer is 7 h 38 min
